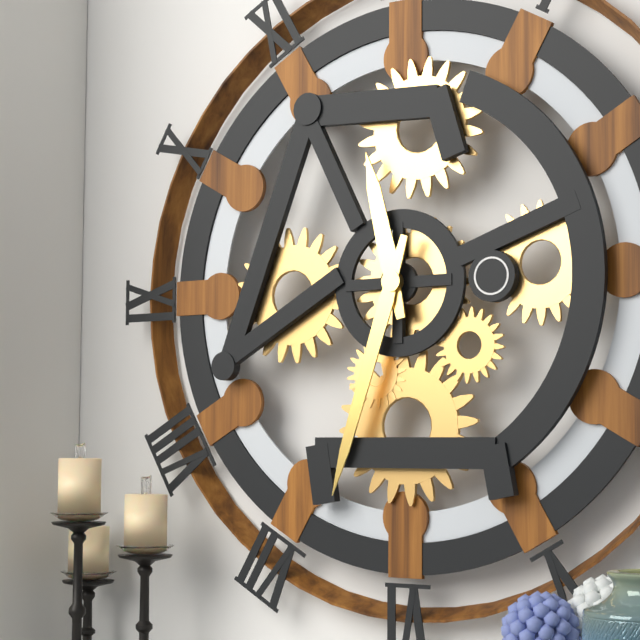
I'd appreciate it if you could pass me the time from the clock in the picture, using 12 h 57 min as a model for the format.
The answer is 11 h 33 min
